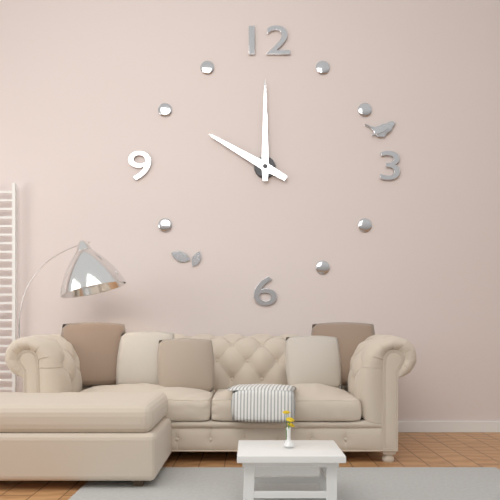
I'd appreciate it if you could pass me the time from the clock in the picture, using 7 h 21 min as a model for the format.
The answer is 10 h 00 min
